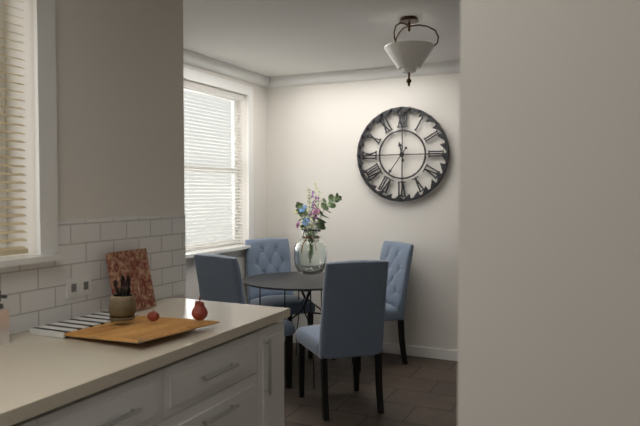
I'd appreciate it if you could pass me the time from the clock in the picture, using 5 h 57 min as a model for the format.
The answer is 11 h 36 min
